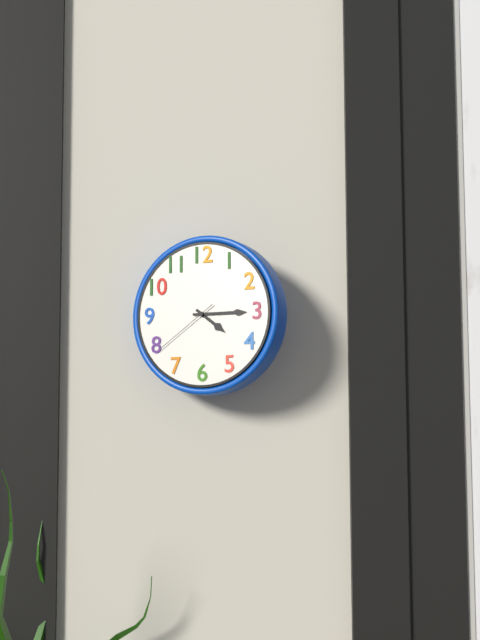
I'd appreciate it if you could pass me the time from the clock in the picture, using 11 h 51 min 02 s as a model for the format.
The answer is 4 h 15 min 39 s
